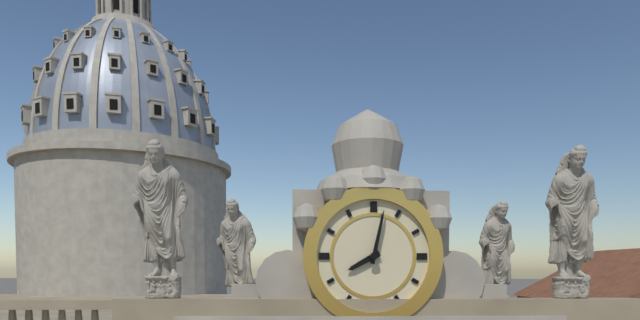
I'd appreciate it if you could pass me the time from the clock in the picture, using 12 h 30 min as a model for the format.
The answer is 8 h 02 min
